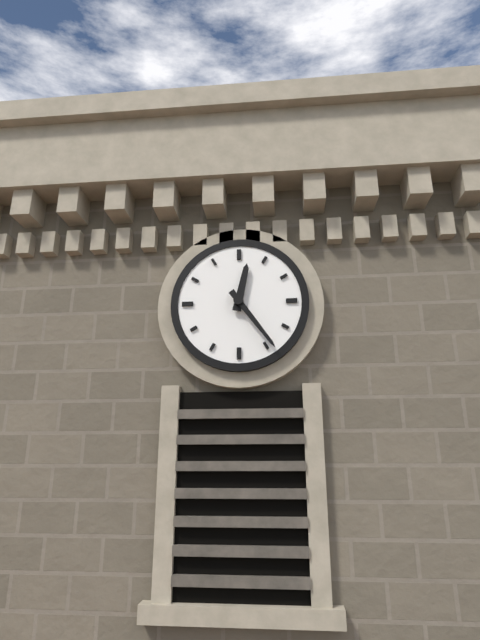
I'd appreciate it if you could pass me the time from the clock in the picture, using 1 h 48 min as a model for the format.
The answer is 12 h 24 min
